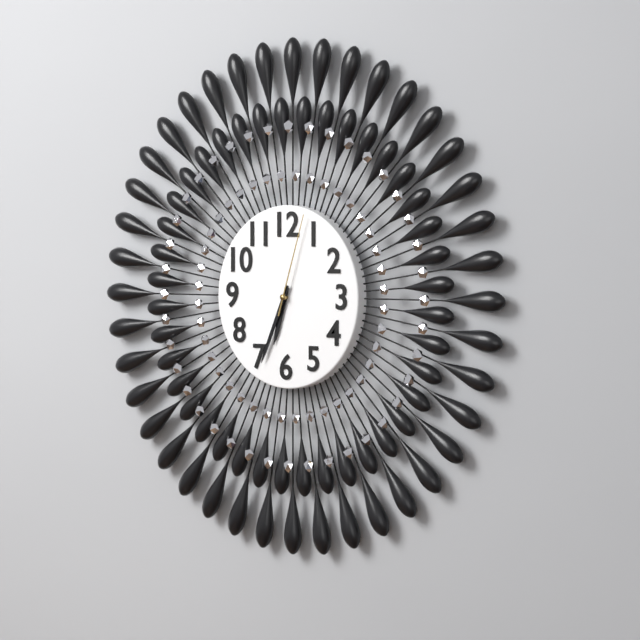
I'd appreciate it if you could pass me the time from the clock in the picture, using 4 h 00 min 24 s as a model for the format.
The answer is 6 h 34 min 03 s
